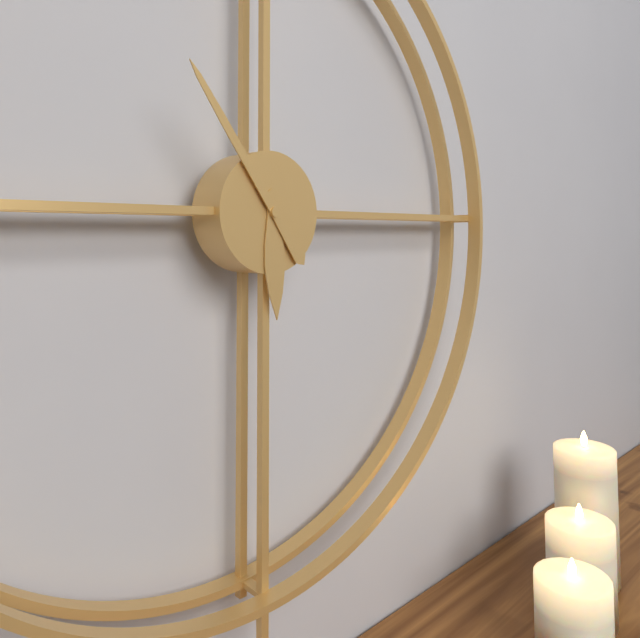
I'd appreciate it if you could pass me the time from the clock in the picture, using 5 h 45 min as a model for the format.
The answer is 5 h 54 min
